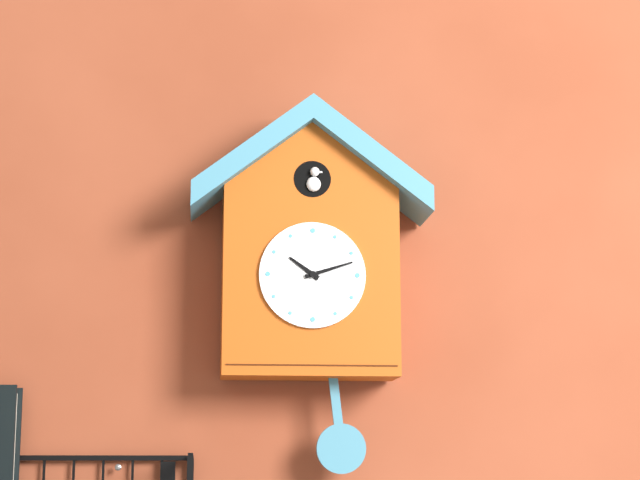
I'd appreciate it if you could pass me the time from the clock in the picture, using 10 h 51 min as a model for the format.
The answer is 10 h 12 min
